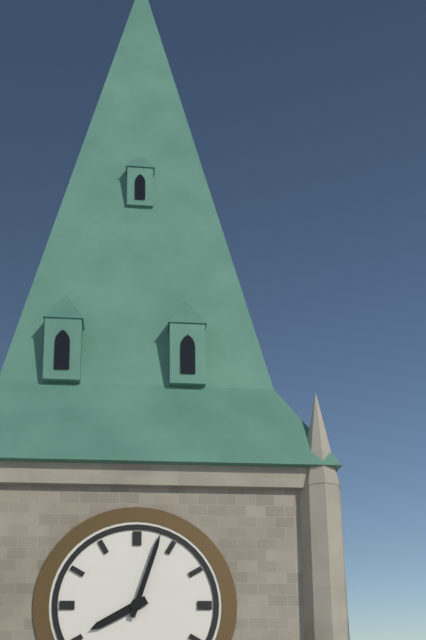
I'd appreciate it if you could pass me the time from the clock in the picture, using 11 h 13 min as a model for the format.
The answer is 8 h 03 min
